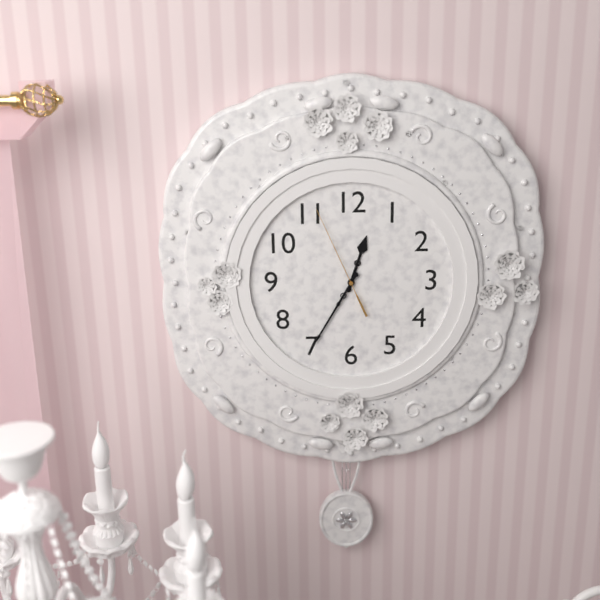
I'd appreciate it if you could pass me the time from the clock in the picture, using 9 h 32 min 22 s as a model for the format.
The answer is 12 h 35 min 56 s
